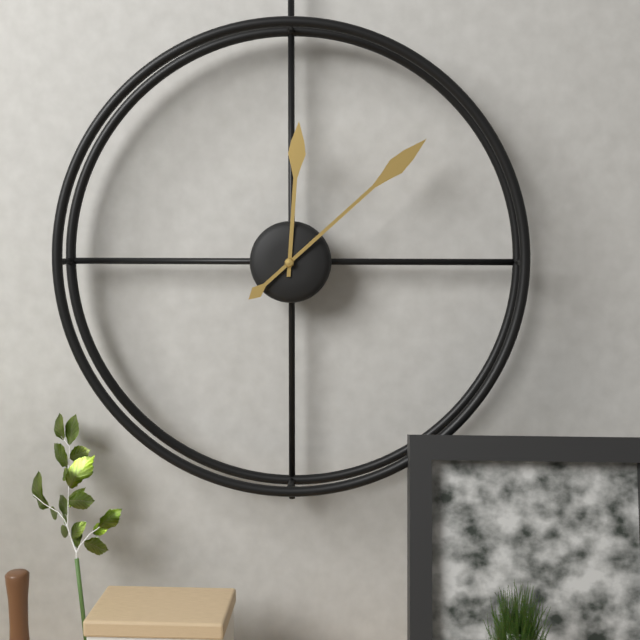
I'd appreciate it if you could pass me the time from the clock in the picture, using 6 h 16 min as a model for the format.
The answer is 12 h 08 min
